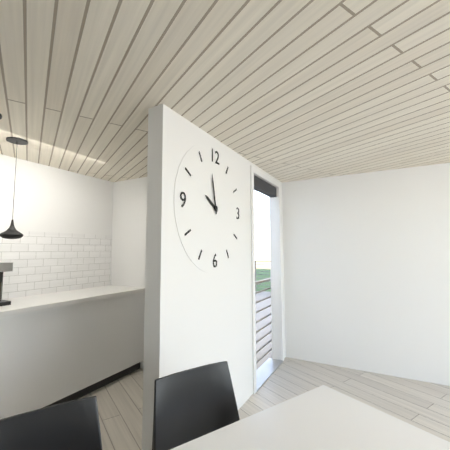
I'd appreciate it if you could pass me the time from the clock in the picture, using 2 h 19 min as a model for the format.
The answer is 9 h 58 min
